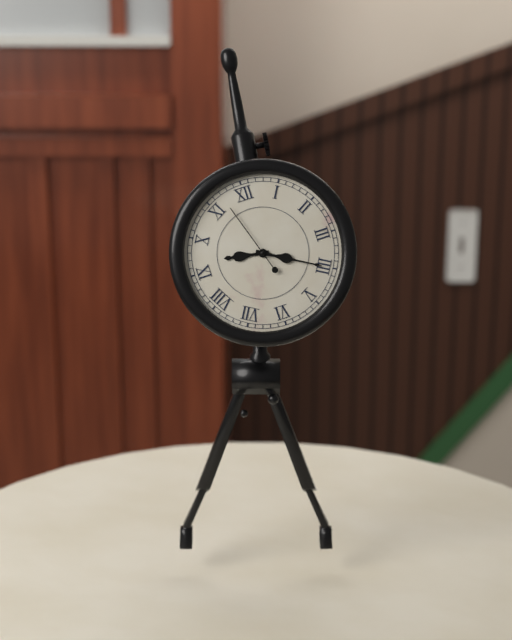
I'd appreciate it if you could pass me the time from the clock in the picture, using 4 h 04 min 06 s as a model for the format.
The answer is 9 h 20 min 57 s
